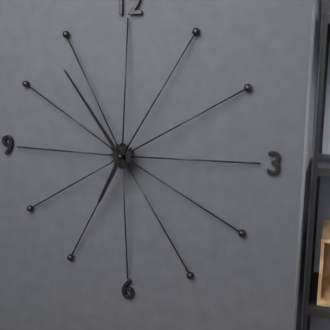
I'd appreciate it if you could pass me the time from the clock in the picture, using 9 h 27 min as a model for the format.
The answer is 6 h 54 min
